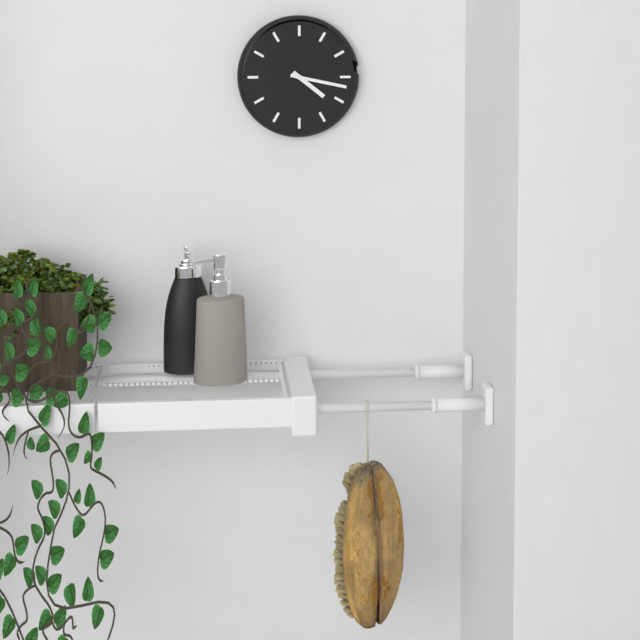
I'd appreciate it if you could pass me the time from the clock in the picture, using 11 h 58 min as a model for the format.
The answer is 4 h 17 min
